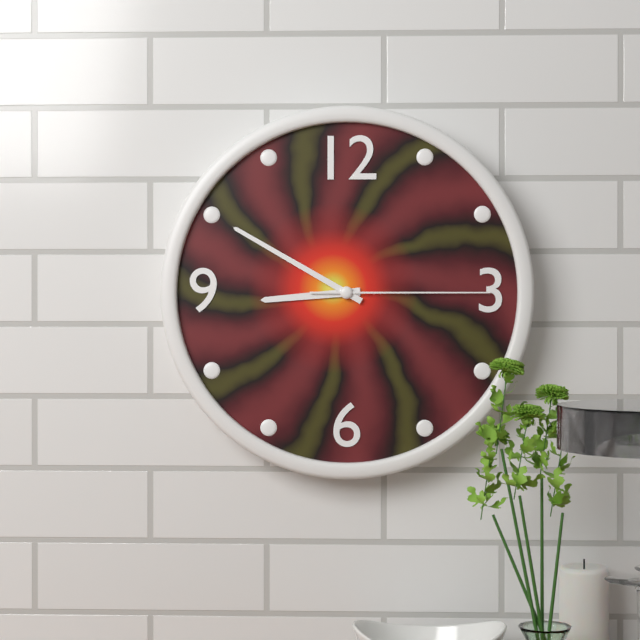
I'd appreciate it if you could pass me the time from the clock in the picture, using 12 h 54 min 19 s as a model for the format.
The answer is 8 h 50 min 15 s
